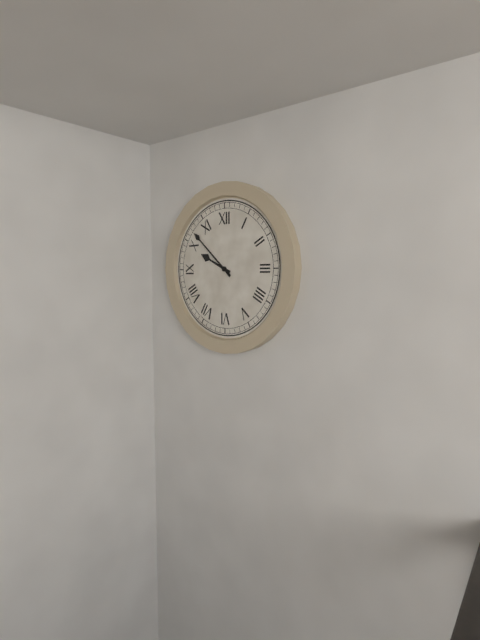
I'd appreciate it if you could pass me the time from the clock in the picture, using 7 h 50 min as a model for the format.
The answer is 9 h 52 min
